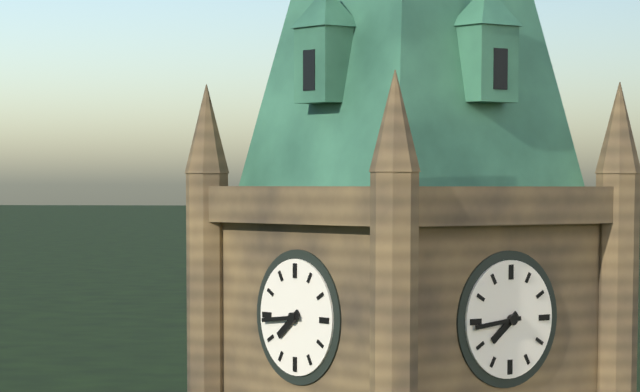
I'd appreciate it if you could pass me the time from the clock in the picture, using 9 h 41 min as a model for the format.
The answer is 7 h 44 min
